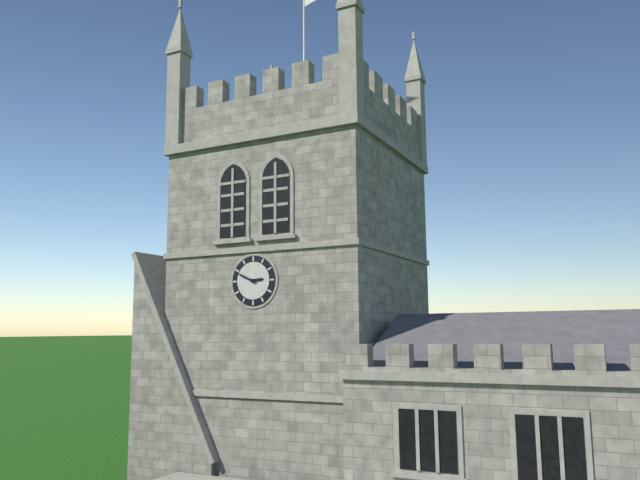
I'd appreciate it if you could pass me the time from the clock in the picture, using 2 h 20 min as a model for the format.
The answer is 2 h 49 min
